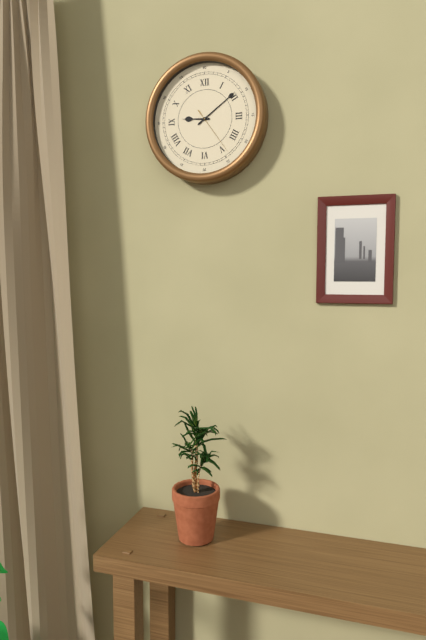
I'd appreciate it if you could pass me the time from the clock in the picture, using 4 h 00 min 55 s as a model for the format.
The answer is 9 h 09 min 24 s
